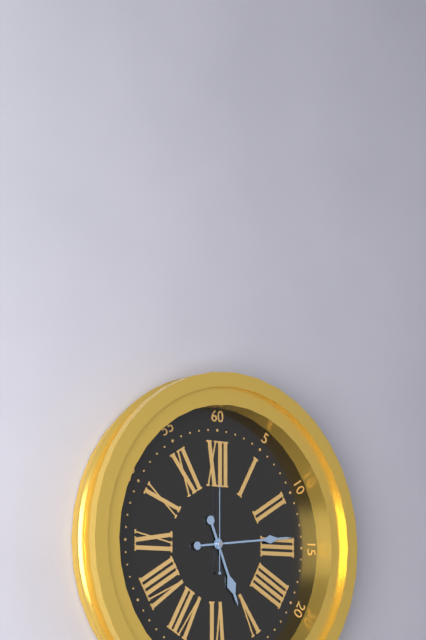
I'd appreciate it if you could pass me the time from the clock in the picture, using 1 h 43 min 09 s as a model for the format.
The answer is 5 h 14 min 00 s
